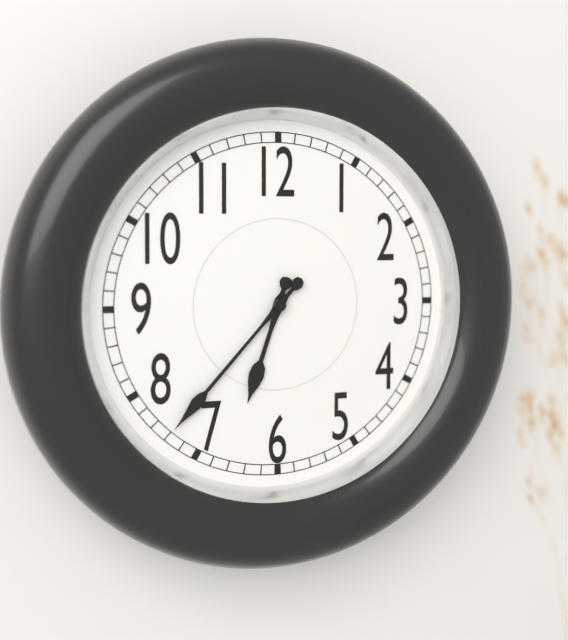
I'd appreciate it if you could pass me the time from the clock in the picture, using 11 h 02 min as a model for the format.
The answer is 6 h 37 min
